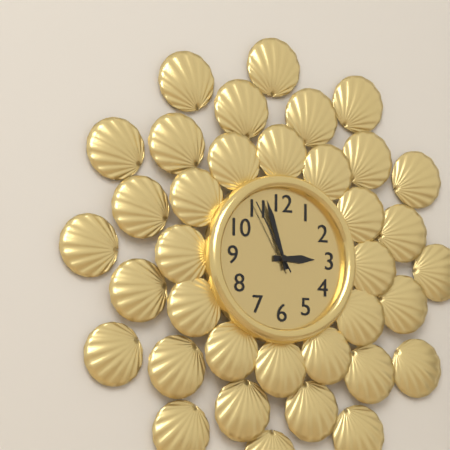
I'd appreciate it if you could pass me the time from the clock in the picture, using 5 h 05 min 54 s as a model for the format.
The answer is 2 h 57 min 55 s
